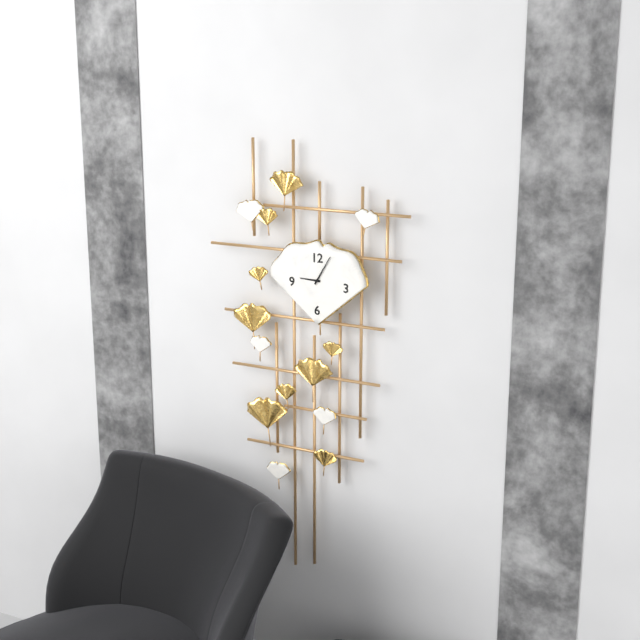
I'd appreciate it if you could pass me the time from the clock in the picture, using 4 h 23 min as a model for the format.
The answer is 9 h 05 min
